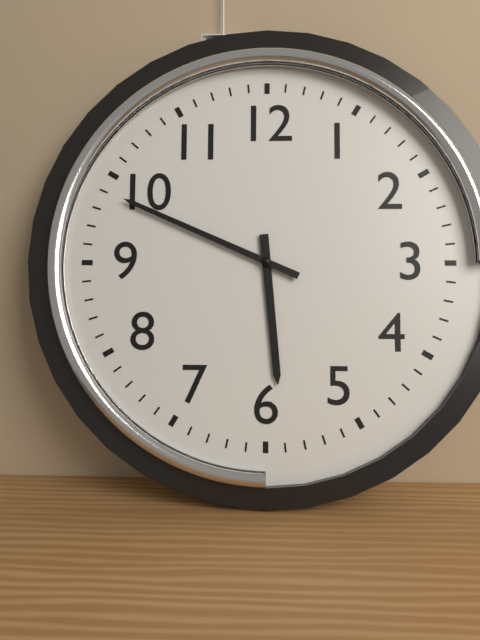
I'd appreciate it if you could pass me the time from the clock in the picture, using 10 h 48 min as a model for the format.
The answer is 5 h 49 min
